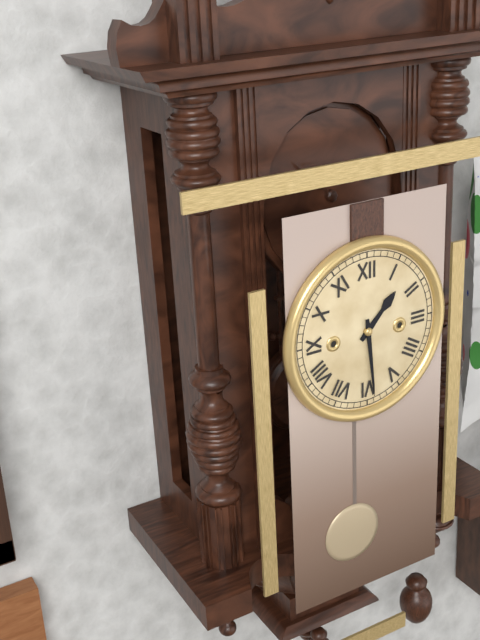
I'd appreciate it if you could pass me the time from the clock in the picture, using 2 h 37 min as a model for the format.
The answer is 1 h 29 min
